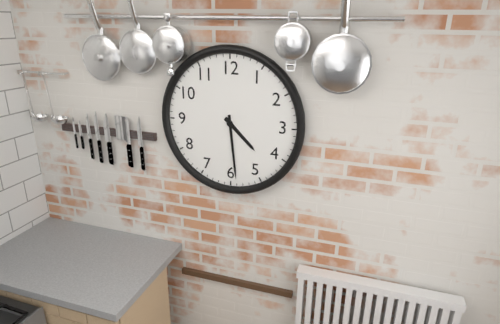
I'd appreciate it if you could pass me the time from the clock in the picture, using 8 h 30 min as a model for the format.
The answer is 4 h 29 min
